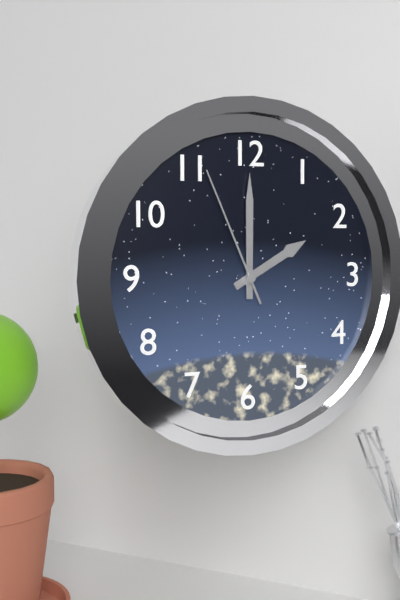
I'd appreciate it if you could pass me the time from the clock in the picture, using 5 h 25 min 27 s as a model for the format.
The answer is 2 h 00 min 56 s
